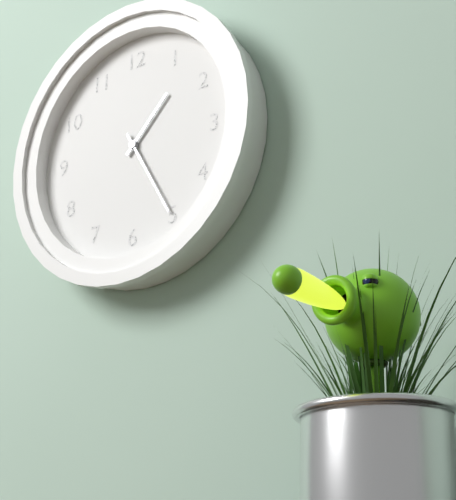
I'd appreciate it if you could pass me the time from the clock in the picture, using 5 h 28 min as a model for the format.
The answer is 1 h 25 min
